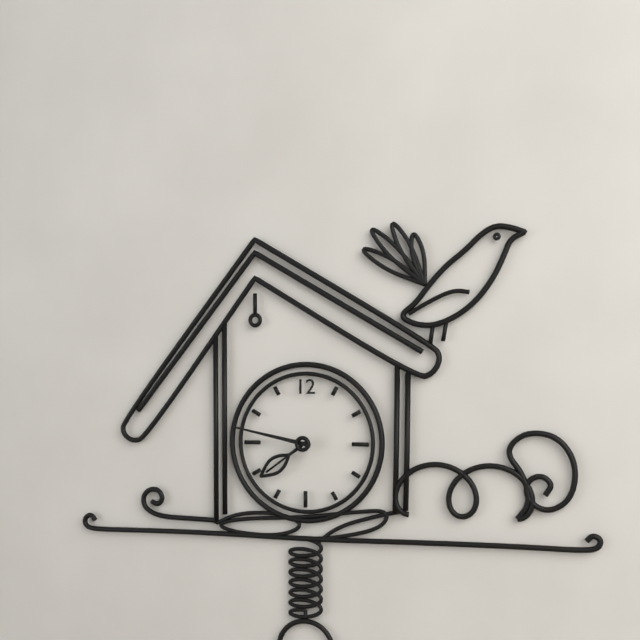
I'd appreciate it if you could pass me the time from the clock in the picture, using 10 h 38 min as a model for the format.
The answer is 7 h 47 min
